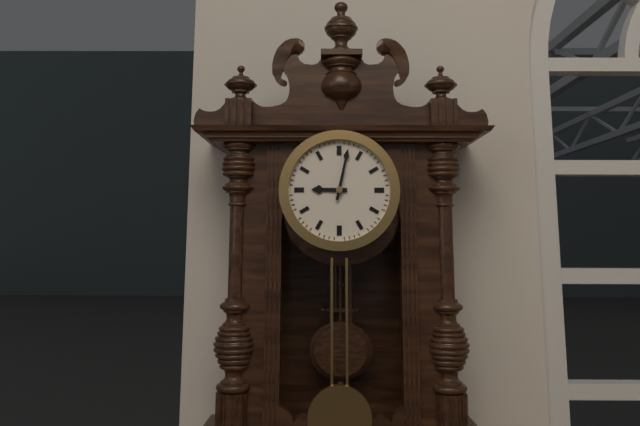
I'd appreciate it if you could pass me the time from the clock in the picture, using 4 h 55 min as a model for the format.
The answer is 9 h 02 min
